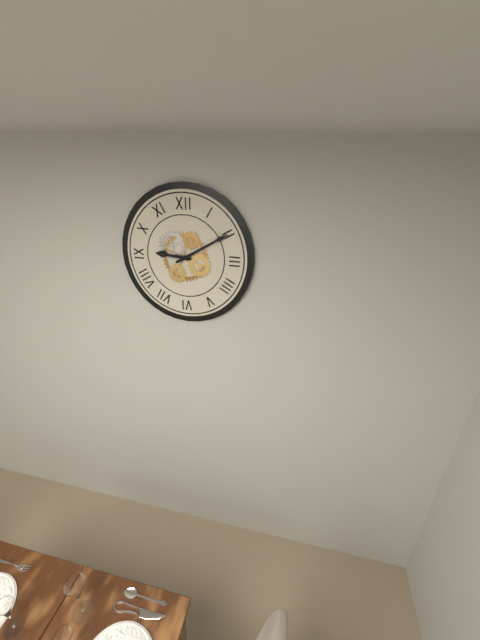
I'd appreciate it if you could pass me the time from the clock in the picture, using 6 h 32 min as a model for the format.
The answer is 9 h 10 min
